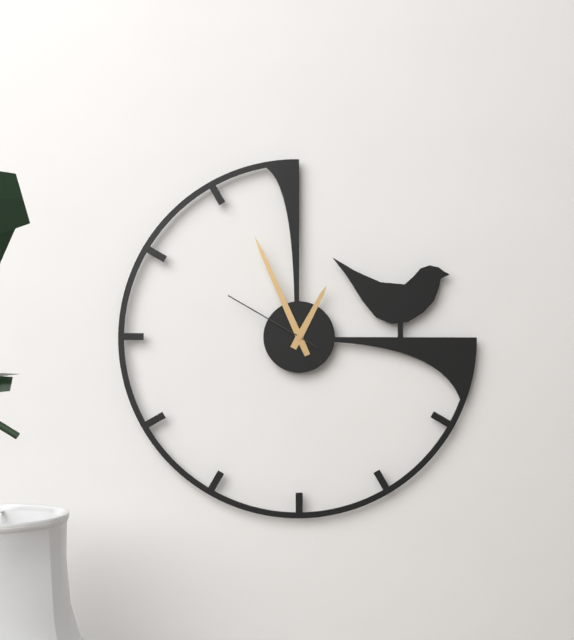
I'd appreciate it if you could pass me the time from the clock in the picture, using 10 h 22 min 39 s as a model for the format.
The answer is 12 h 56 min 50 s
